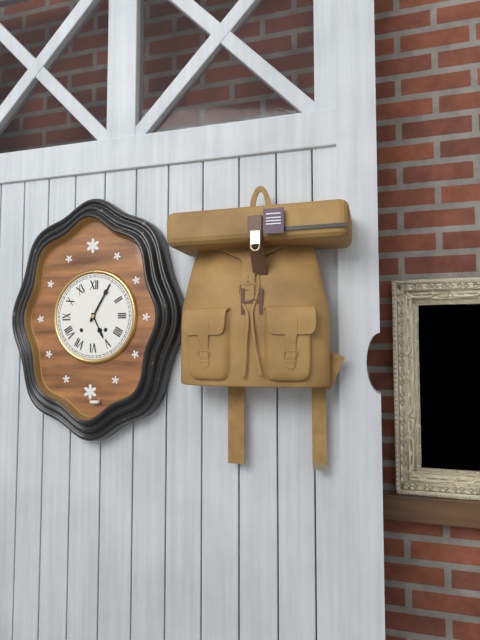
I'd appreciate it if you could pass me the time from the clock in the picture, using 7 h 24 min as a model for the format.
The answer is 5 h 05 min
